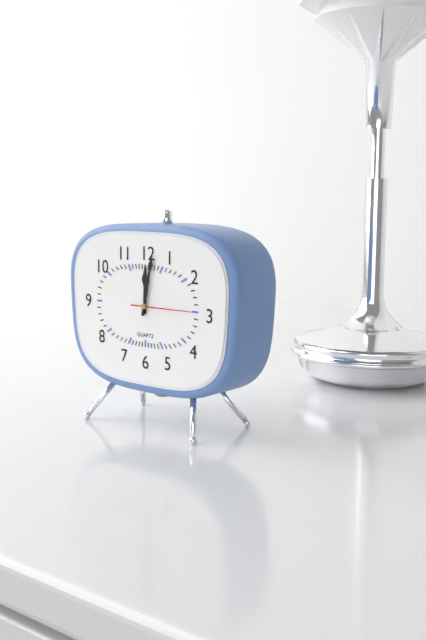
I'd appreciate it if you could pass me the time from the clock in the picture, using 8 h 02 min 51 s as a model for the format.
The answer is 12 h 02 min 15 s
